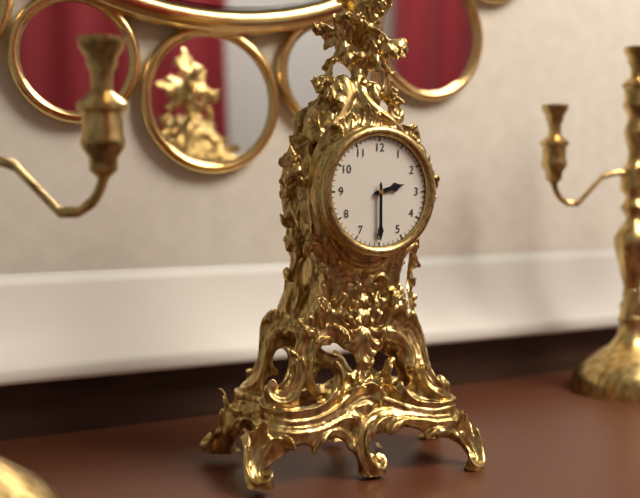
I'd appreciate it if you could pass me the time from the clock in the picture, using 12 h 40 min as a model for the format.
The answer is 2 h 30 min
